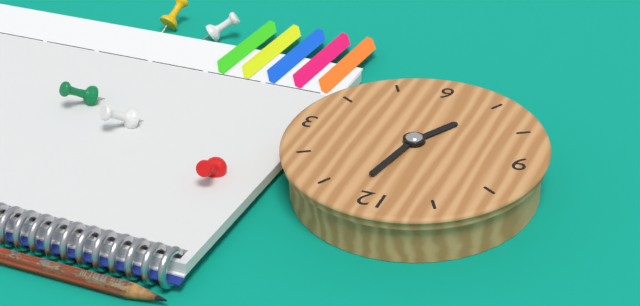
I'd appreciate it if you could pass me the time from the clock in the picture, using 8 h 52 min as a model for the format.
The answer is 7 h 02 min
